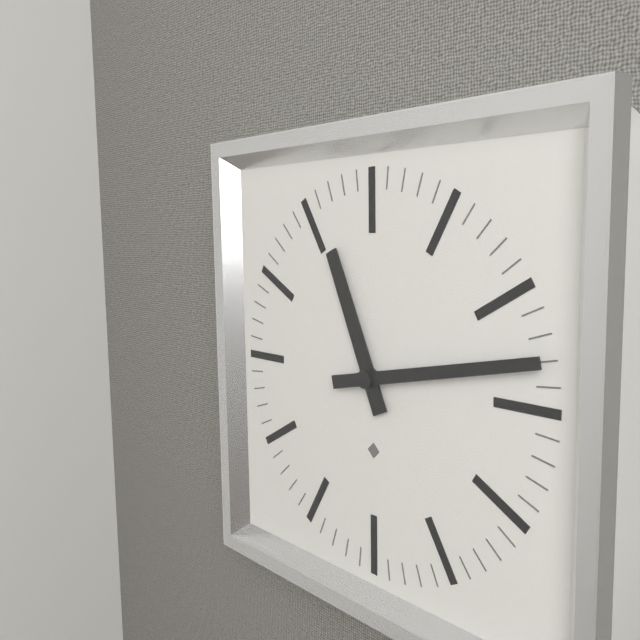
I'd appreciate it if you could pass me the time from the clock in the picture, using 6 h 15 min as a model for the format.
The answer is 11 h 13 min
